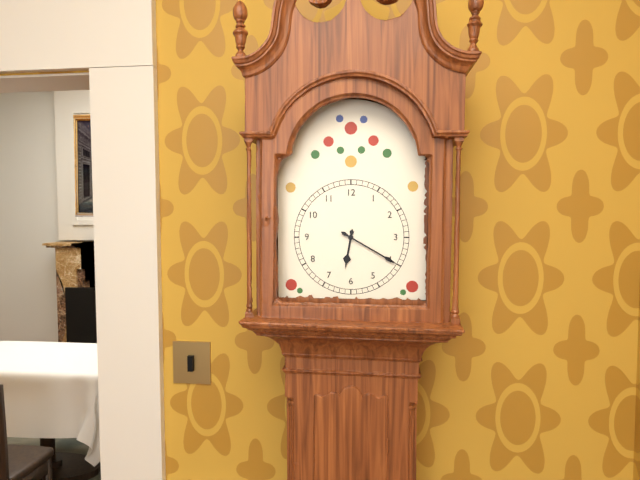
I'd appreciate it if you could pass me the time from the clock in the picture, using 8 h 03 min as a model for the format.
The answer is 6 h 20 min
